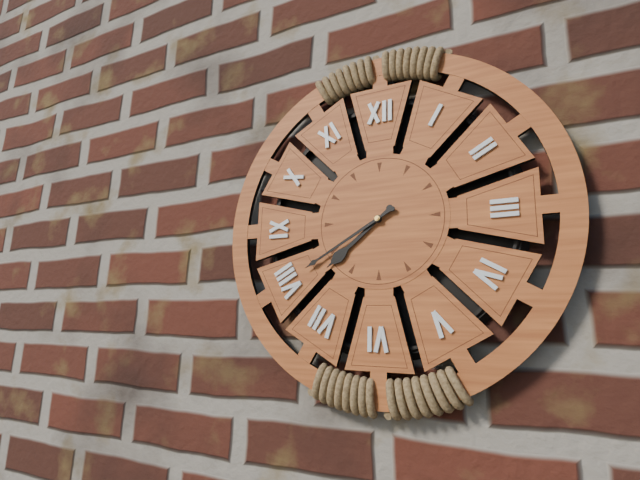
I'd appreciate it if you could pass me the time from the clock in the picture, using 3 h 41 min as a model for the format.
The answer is 7 h 40 min
